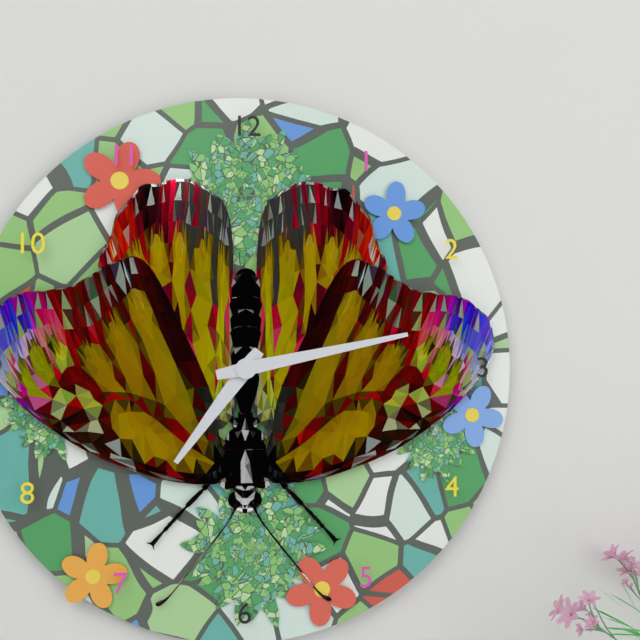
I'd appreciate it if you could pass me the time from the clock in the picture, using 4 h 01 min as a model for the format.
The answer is 7 h 13 min
